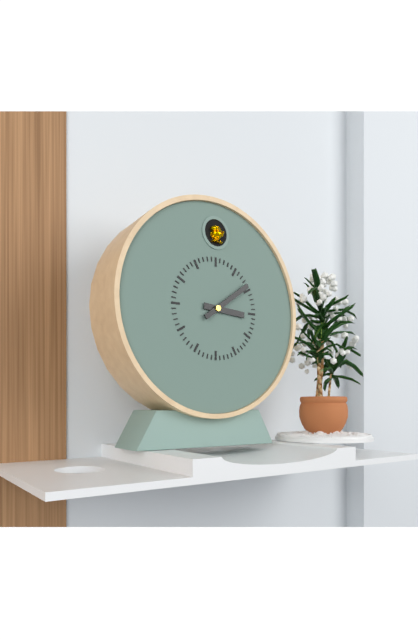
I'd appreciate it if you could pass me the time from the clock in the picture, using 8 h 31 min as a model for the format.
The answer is 3 h 09 min
